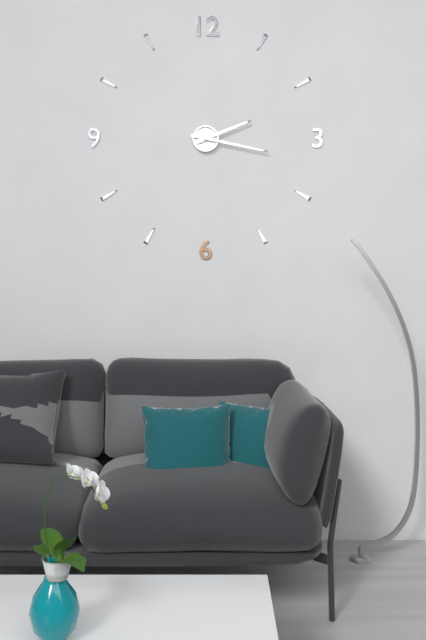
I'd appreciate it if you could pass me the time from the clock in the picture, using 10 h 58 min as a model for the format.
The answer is 2 h 17 min
